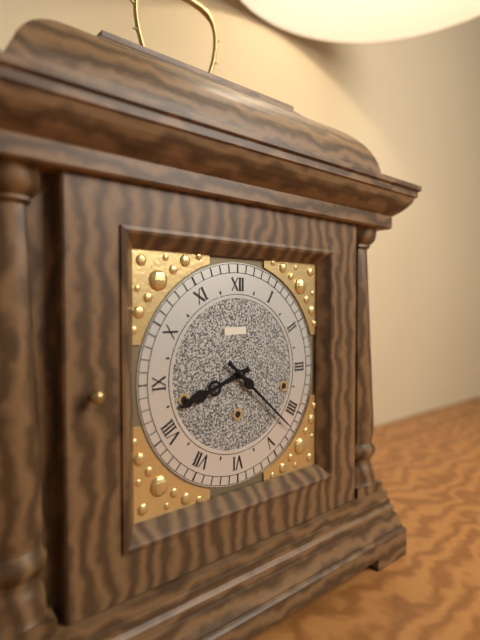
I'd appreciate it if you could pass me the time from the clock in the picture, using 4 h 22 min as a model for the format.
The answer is 8 h 22 min
